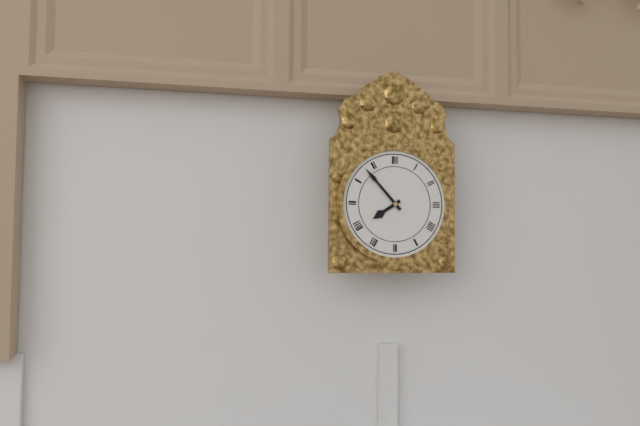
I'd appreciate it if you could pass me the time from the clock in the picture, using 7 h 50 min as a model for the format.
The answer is 7 h 53 min
